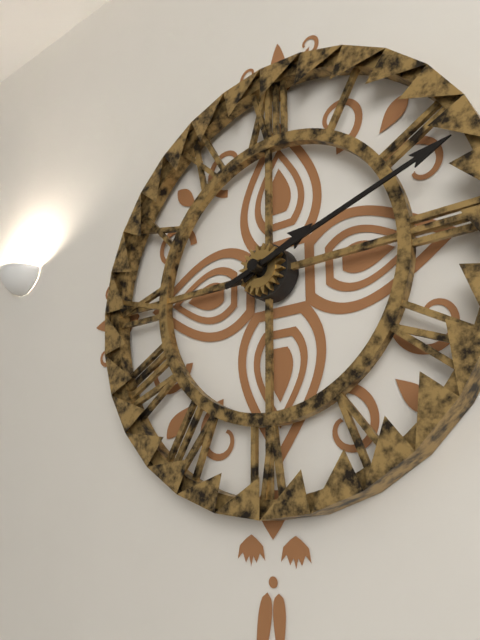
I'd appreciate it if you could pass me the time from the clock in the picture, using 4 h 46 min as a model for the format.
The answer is 2 h 12 min
